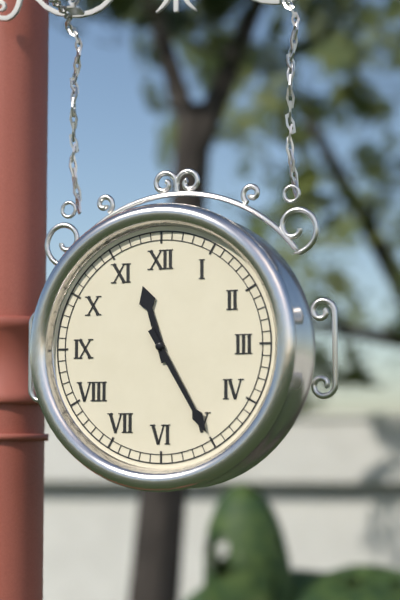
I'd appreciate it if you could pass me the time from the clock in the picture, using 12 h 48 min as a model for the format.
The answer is 11 h 25 min
